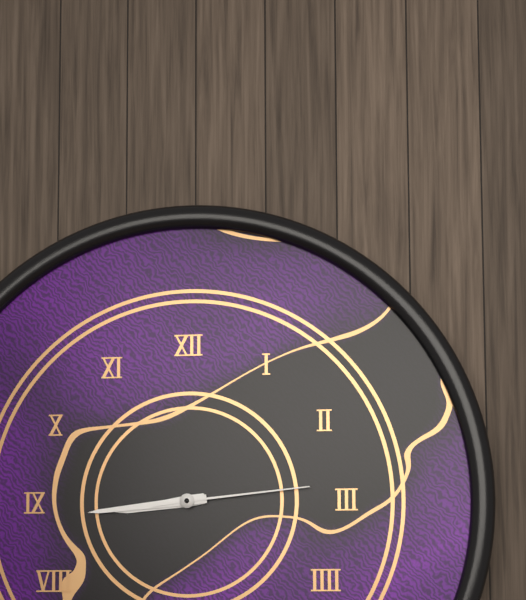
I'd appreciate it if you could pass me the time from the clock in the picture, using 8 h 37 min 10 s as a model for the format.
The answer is 8 h 44 min 14 s
